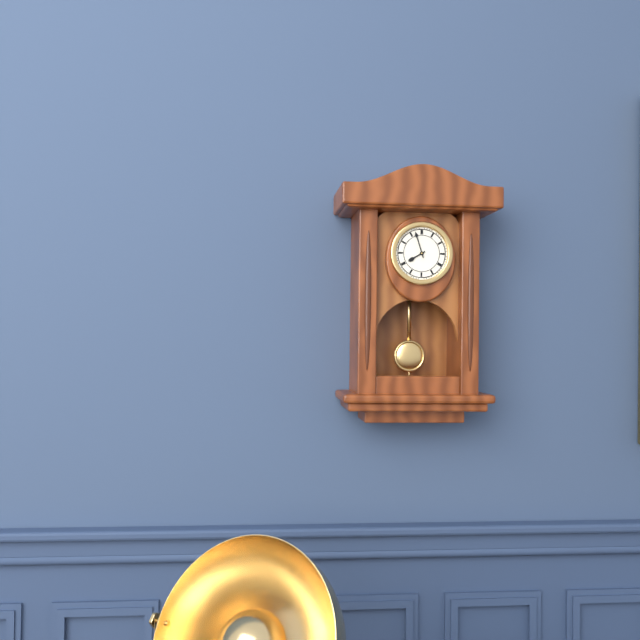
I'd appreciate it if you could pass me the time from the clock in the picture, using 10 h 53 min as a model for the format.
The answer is 7 h 57 min
